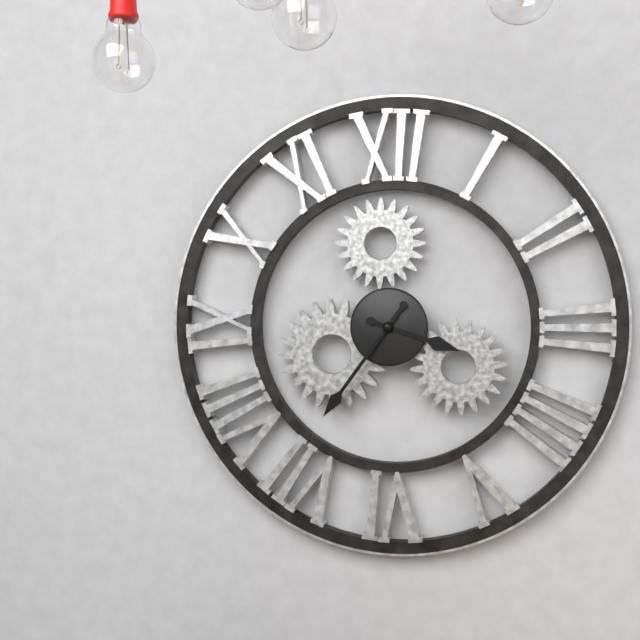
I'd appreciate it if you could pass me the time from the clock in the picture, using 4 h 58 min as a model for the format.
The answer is 3 h 36 min
